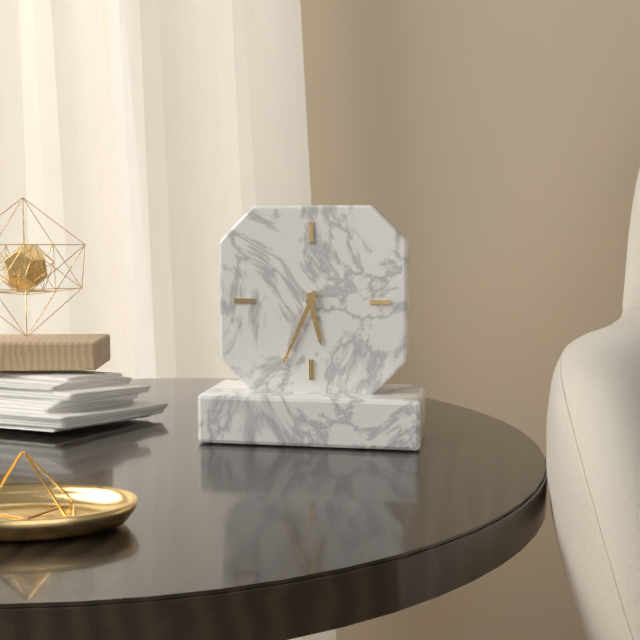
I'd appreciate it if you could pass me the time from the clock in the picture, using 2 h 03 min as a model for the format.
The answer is 5 h 34 min
